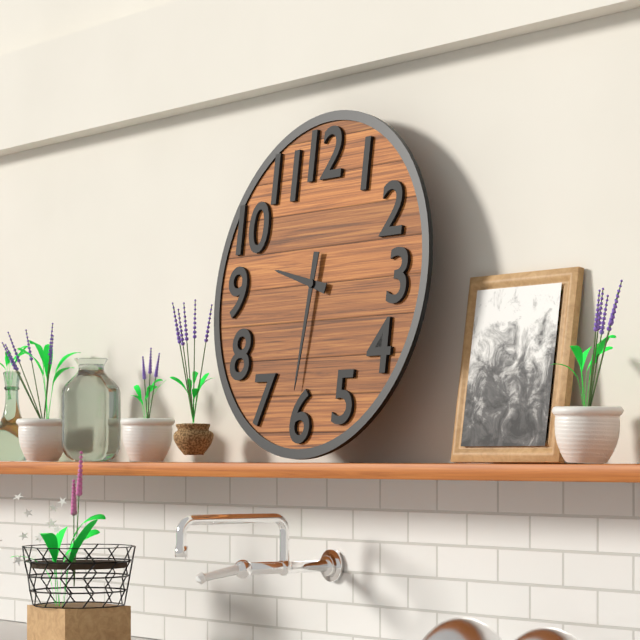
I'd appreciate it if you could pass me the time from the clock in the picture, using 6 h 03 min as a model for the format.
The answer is 9 h 31 min
